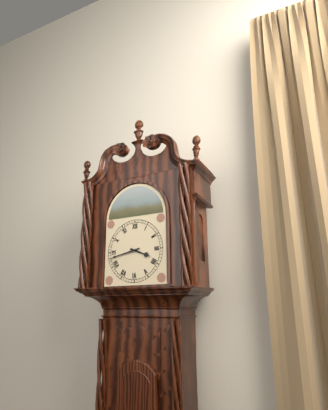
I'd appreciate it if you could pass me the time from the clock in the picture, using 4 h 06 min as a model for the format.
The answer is 3 h 43 min
